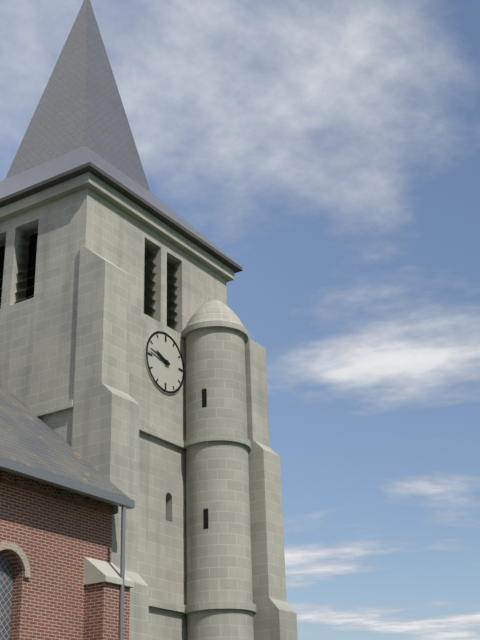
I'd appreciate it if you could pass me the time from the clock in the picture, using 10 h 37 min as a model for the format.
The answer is 9 h 47 min
